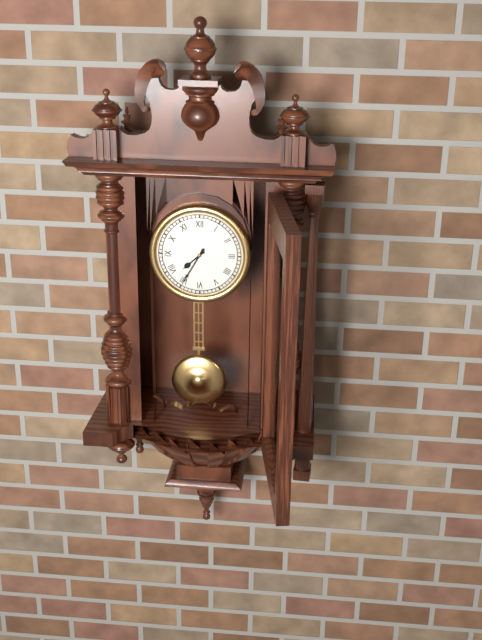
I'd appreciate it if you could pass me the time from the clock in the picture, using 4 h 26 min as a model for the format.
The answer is 7 h 35 min
